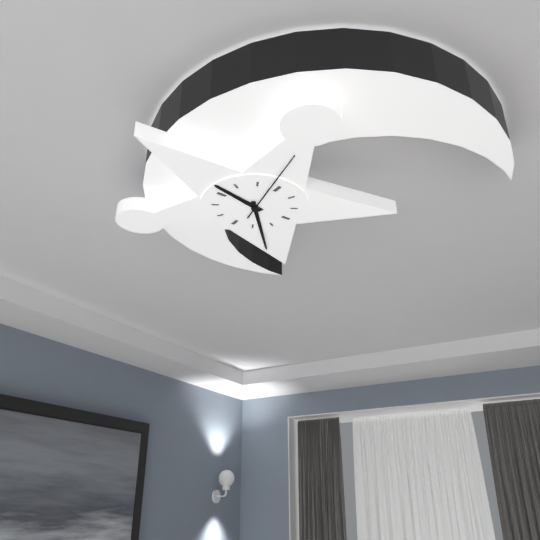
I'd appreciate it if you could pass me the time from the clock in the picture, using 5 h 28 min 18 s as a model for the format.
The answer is 9 h 23 min 58 s
